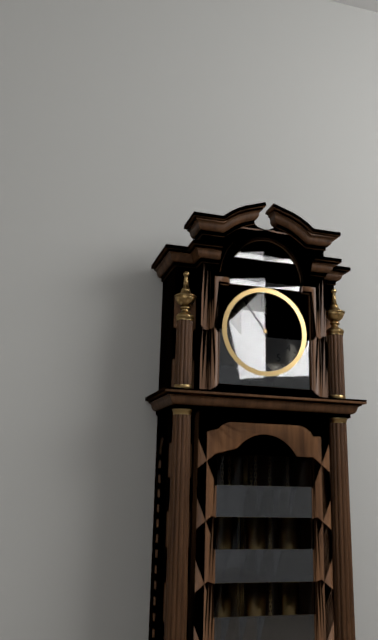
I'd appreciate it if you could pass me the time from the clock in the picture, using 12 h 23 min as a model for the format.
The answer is 2 h 54 min
